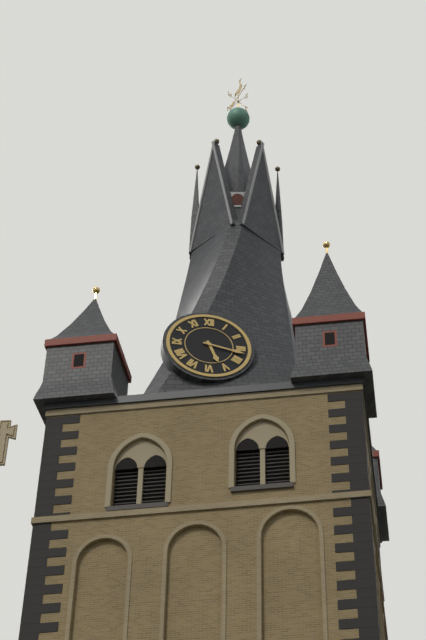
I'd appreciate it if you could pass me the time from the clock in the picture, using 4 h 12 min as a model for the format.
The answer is 5 h 17 min
